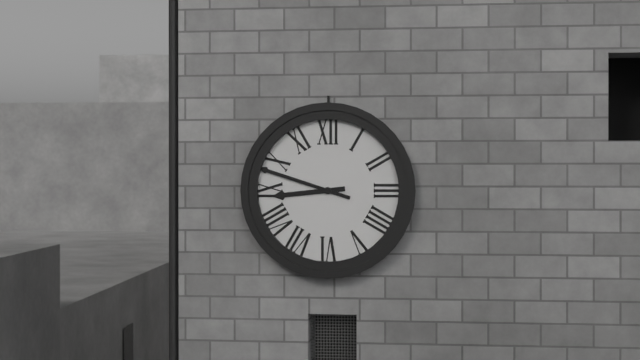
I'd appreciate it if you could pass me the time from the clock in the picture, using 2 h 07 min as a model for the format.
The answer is 8 h 48 min
